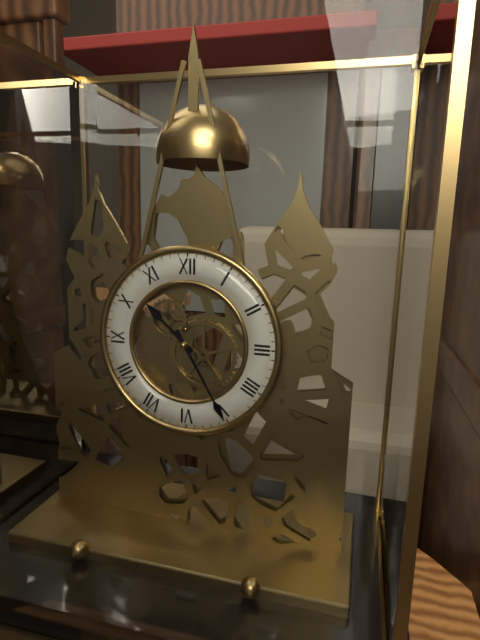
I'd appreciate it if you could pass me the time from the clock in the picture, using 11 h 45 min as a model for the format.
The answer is 10 h 25 min
